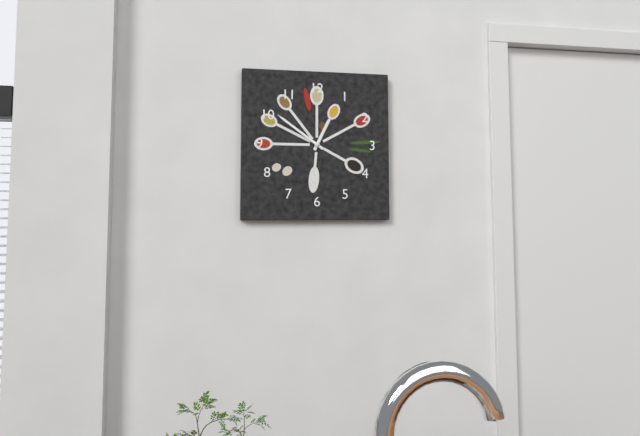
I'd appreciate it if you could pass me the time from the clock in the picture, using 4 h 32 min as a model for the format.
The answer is 12 h 51 min
